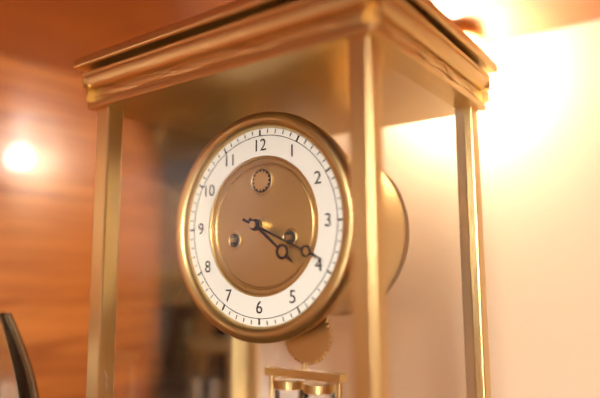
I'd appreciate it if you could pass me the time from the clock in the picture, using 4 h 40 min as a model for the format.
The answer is 4 h 19 min
